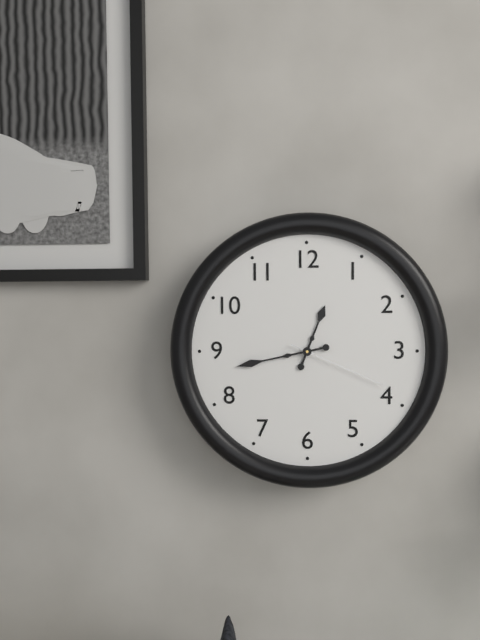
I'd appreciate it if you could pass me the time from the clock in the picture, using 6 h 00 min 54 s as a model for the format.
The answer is 12 h 43 min 19 s
